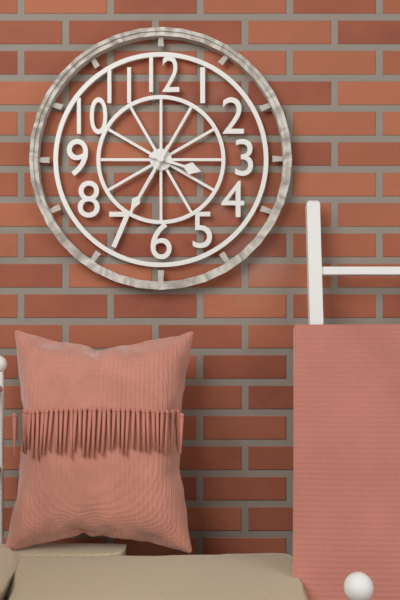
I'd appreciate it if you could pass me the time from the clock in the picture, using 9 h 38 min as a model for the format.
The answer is 3 h 35 min
